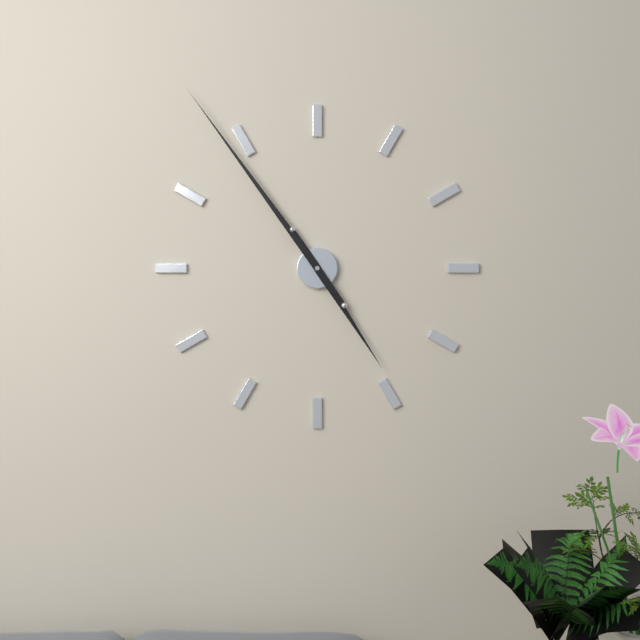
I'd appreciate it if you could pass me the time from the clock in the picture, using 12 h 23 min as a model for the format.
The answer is 4 h 54 min
